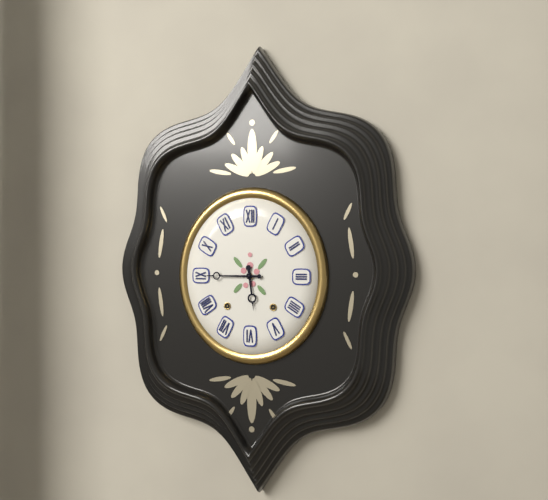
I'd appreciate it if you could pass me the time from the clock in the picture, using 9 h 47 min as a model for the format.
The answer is 5 h 45 min
